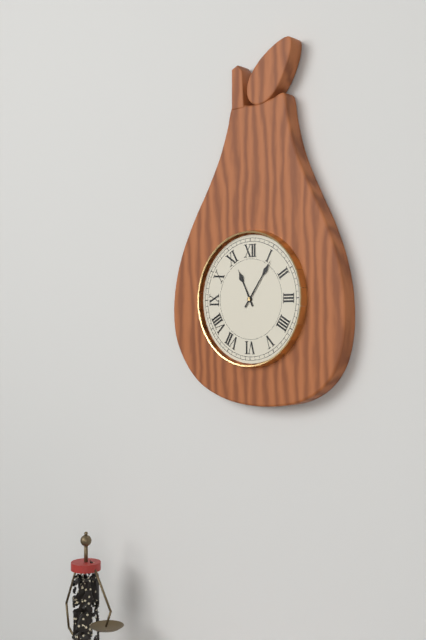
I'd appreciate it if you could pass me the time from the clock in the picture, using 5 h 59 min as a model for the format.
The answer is 11 h 06 min
